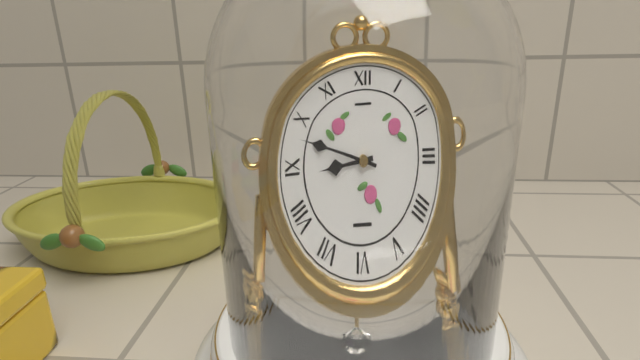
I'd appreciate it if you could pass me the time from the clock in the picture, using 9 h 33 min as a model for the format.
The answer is 8 h 48 min
